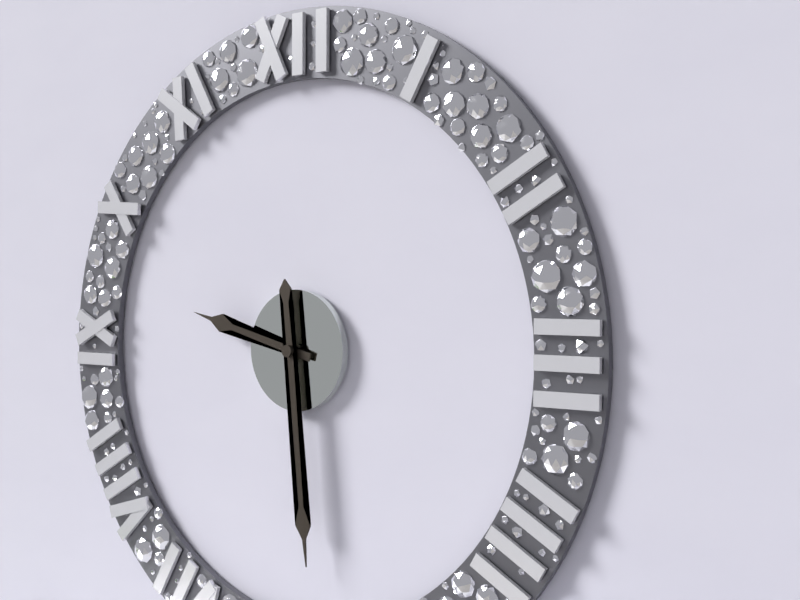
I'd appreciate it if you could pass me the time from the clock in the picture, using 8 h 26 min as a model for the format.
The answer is 9 h 29 min
